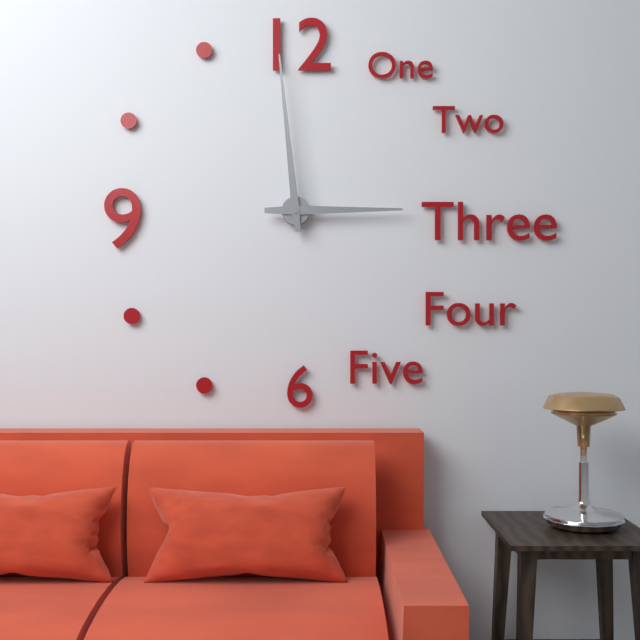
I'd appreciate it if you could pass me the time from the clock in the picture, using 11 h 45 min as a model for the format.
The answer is 2 h 59 min
